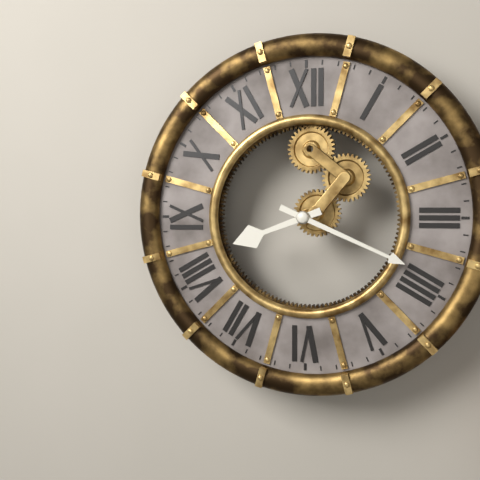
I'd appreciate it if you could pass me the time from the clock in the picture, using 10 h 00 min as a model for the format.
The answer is 8 h 19 min
